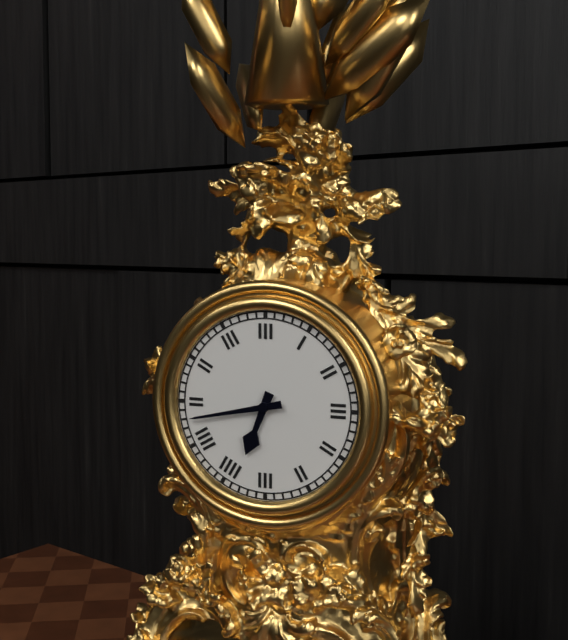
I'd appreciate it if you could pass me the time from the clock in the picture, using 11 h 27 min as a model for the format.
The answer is 6 h 43 min
